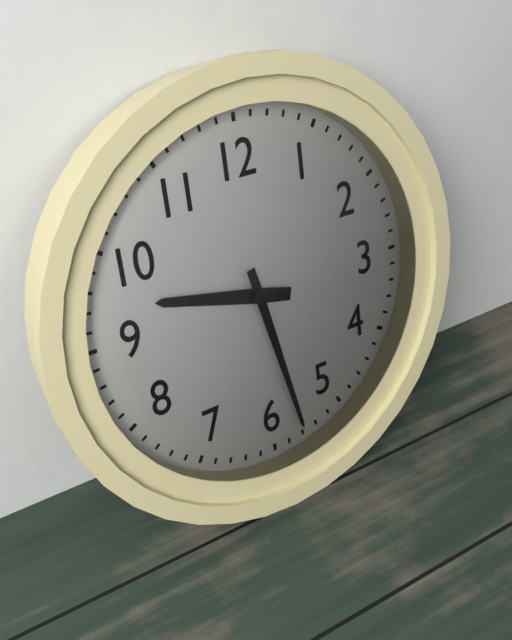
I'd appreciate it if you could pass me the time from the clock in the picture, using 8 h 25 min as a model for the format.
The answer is 9 h 28 min
